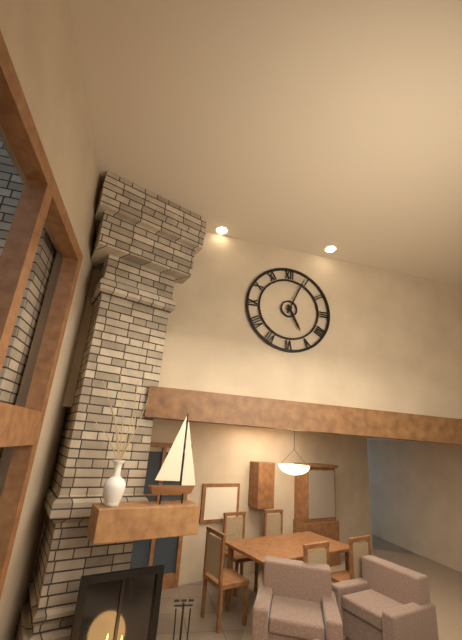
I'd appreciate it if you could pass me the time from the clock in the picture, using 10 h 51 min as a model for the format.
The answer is 5 h 04 min
